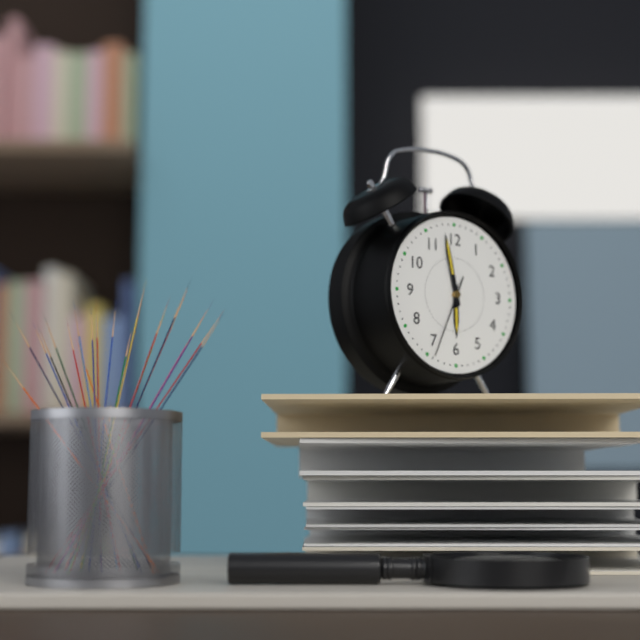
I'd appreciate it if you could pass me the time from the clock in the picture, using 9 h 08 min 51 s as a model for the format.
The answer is 5 h 58 min 34 s
